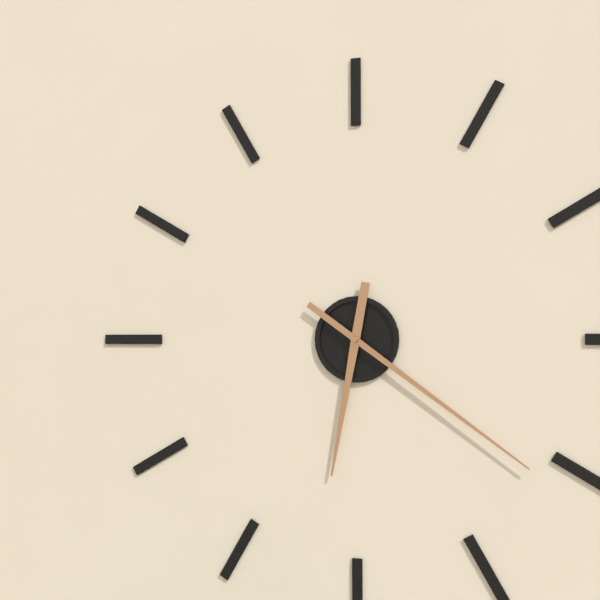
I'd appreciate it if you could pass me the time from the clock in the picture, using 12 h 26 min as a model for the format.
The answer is 6 h 21 min
